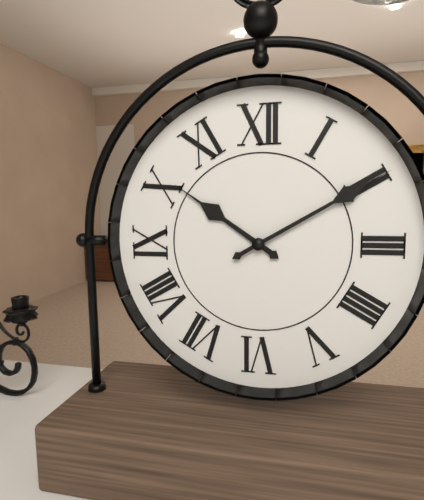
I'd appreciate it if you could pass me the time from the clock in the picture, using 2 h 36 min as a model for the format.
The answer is 10 h 10 min
